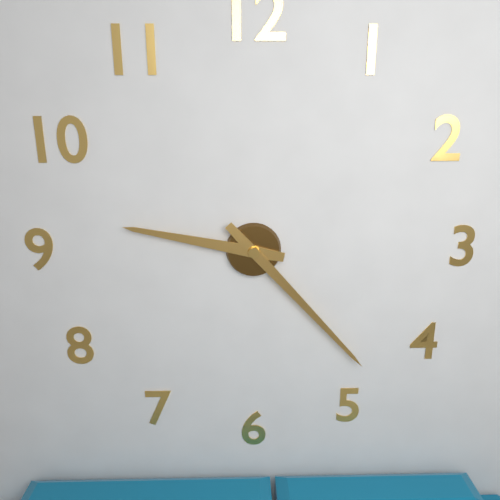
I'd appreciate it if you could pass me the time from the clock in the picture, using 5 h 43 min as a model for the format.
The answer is 9 h 23 min
